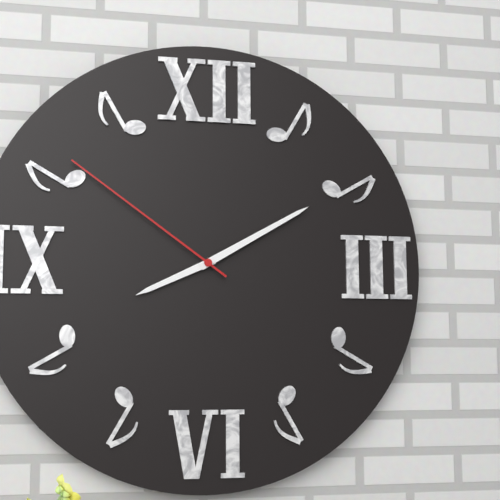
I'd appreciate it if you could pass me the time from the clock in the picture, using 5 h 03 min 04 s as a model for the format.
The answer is 8 h 10 min 51 s
